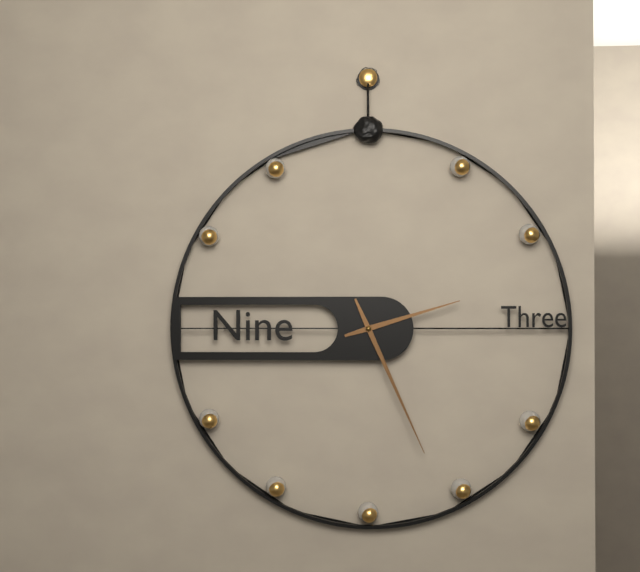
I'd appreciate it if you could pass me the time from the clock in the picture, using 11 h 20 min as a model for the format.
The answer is 2 h 26 min
